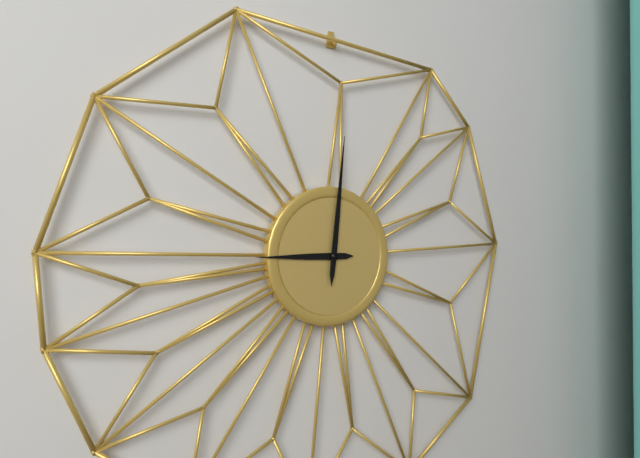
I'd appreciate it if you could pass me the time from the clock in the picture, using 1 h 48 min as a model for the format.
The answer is 9 h 01 min
